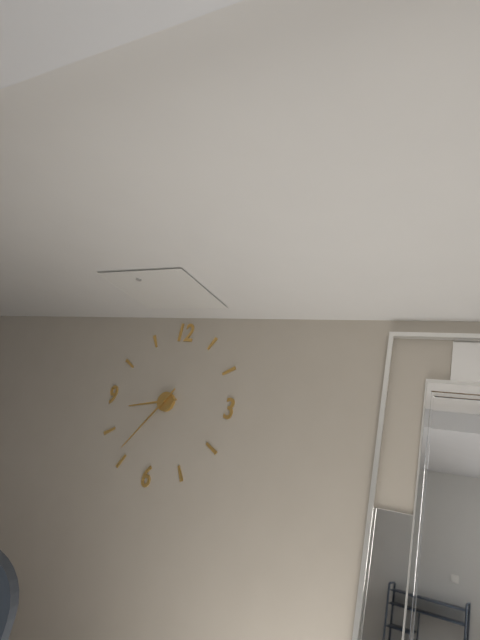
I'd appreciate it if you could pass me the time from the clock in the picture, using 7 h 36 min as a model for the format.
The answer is 8 h 36 min
